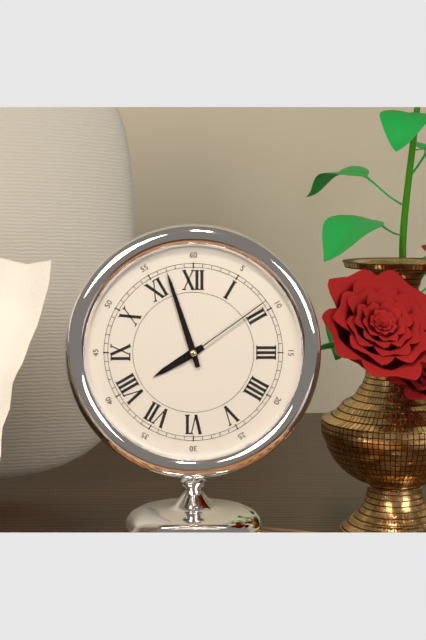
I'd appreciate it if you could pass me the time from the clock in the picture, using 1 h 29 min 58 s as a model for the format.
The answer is 7 h 57 min 09 s
